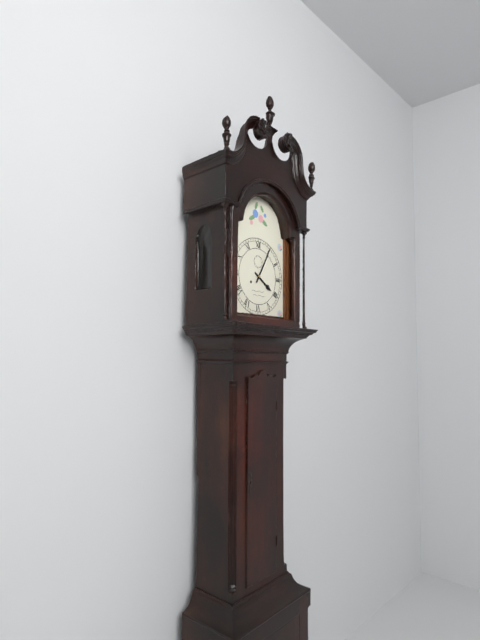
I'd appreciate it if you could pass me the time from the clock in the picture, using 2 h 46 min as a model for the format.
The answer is 4 h 05 min
